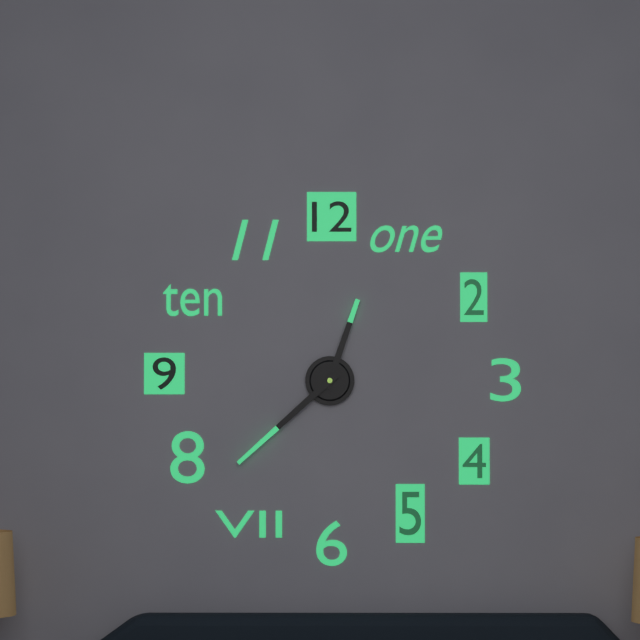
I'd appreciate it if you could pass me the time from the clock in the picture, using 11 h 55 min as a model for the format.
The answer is 12 h 38 min
